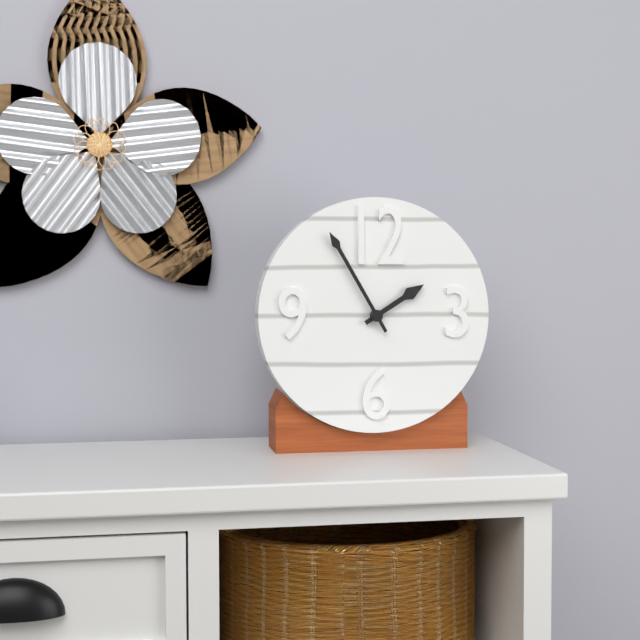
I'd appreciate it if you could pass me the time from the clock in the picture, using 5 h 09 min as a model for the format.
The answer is 1 h 55 min
